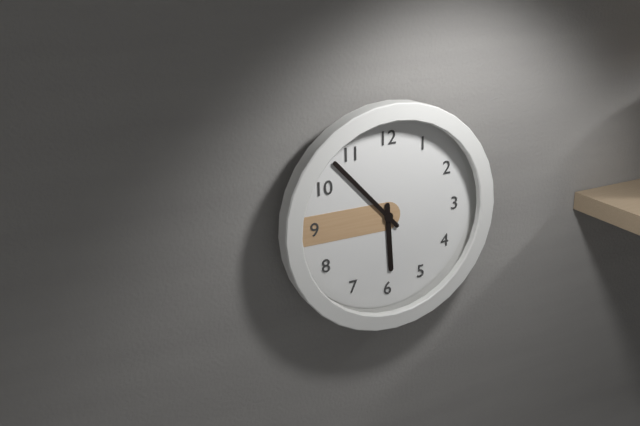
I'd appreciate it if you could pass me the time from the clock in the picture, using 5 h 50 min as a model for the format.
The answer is 5 h 53 min
